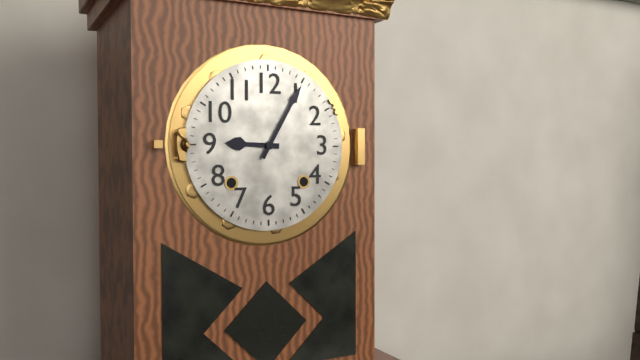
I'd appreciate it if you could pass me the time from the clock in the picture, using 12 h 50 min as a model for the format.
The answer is 9 h 05 min
